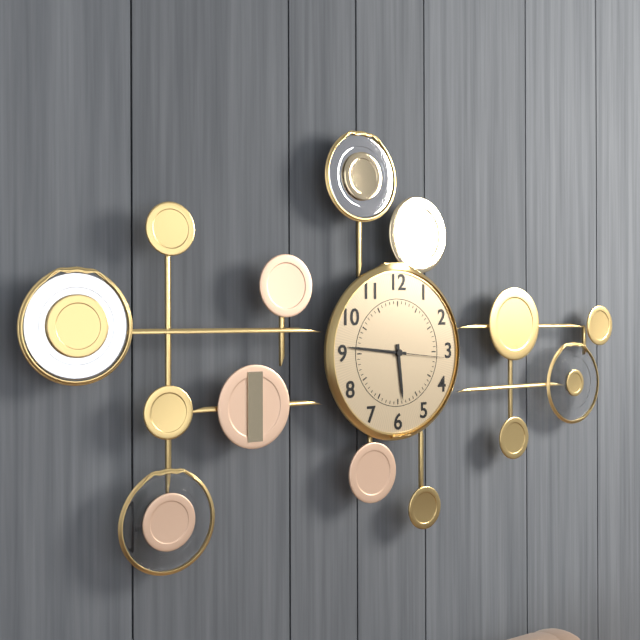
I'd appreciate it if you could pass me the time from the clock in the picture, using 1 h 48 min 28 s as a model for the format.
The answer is 5 h 46 min 16 s
